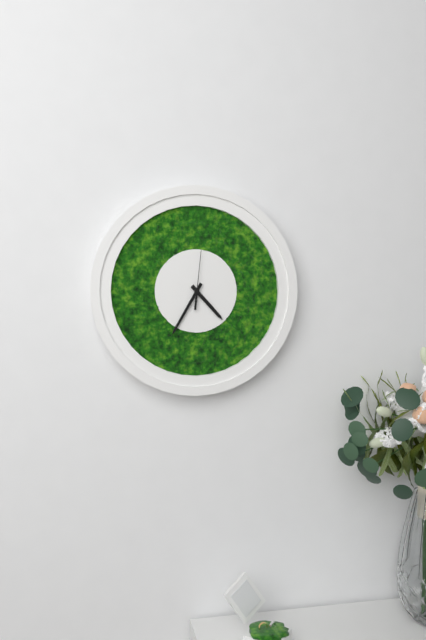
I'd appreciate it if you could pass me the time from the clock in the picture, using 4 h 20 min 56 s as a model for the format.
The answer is 4 h 35 min 01 s
